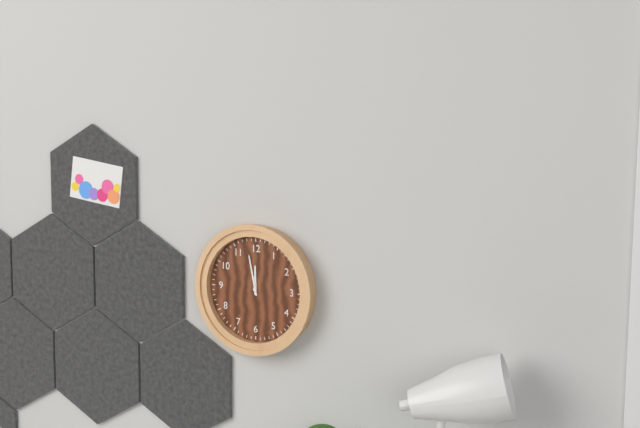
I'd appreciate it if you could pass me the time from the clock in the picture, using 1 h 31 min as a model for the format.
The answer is 11 h 58 min
